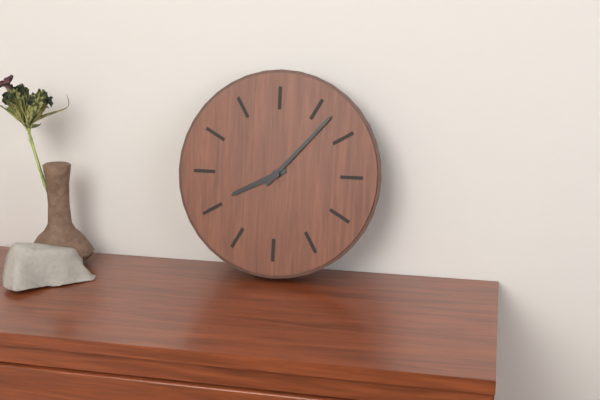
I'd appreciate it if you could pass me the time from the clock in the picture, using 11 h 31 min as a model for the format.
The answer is 8 h 07 min
